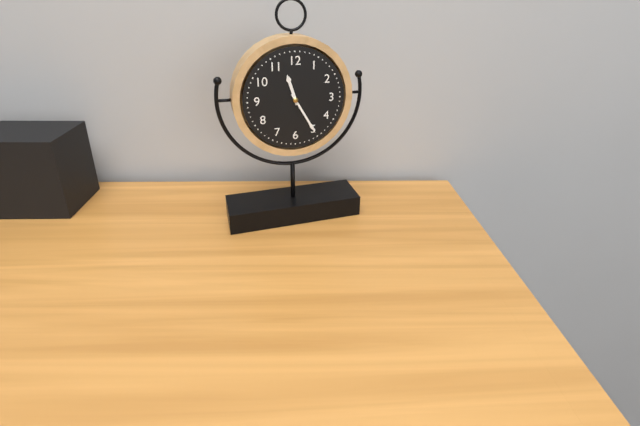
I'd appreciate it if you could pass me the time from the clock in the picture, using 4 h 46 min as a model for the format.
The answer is 11 h 25 min
